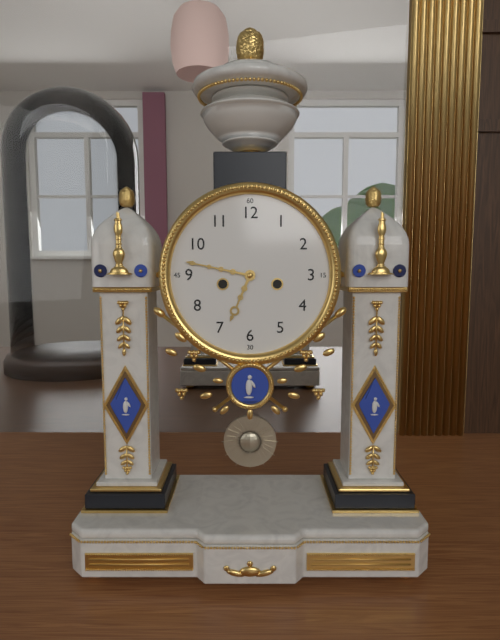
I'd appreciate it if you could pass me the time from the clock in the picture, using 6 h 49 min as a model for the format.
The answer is 6 h 47 min
